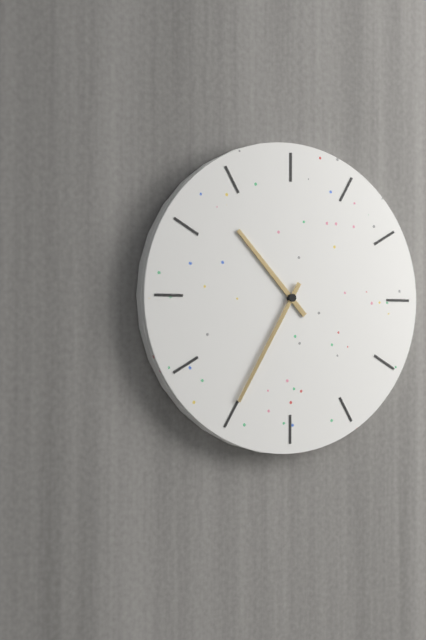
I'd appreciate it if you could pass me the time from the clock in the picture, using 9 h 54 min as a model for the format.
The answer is 10 h 35 min
